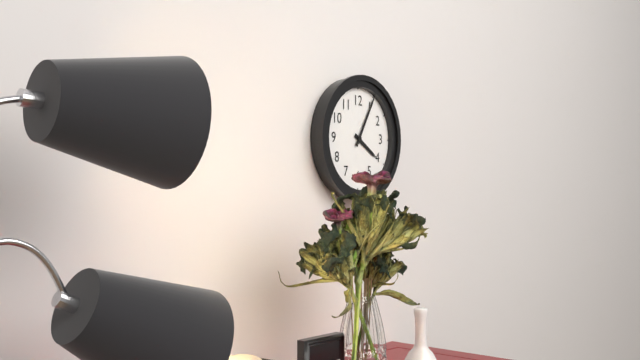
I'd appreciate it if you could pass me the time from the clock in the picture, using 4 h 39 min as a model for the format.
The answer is 4 h 05 min
